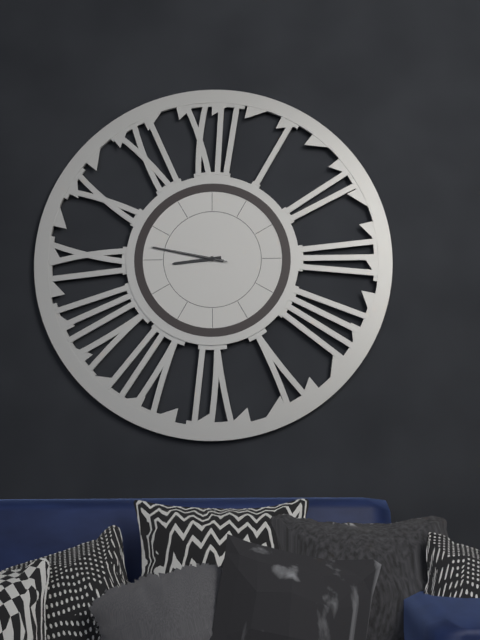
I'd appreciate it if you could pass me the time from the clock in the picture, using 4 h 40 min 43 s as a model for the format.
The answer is 8 h 47 min 47 s
